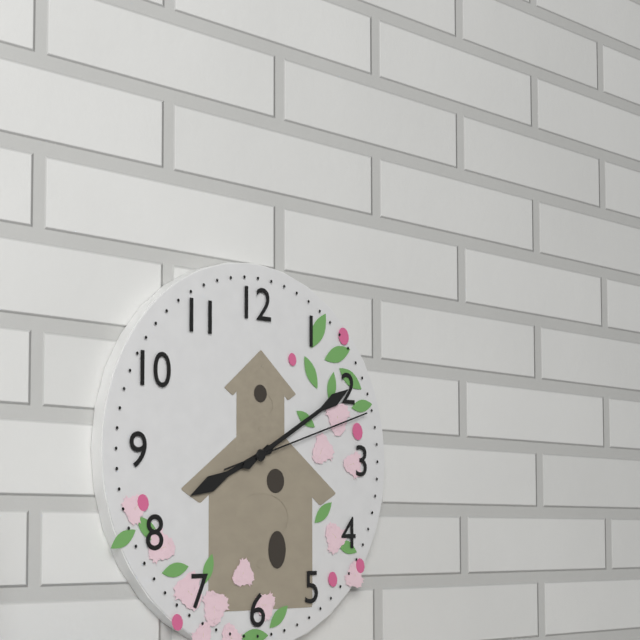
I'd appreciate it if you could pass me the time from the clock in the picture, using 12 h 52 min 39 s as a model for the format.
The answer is 8 h 10 min 12 s
